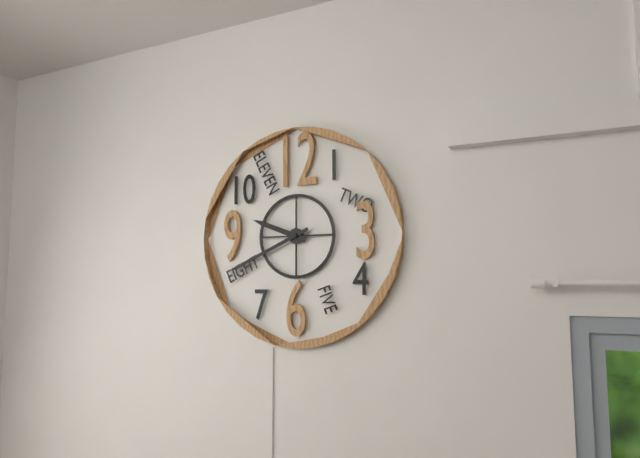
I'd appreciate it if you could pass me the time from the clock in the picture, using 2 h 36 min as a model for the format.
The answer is 9 h 41 min
